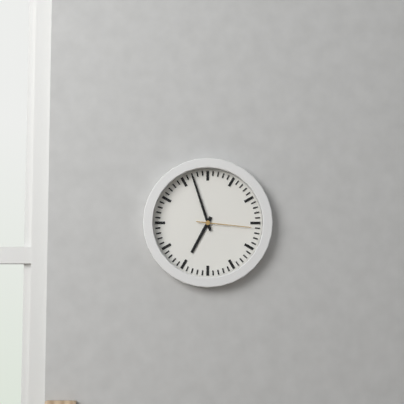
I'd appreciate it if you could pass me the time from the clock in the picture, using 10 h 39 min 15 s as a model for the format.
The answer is 6 h 57 min 16 s
